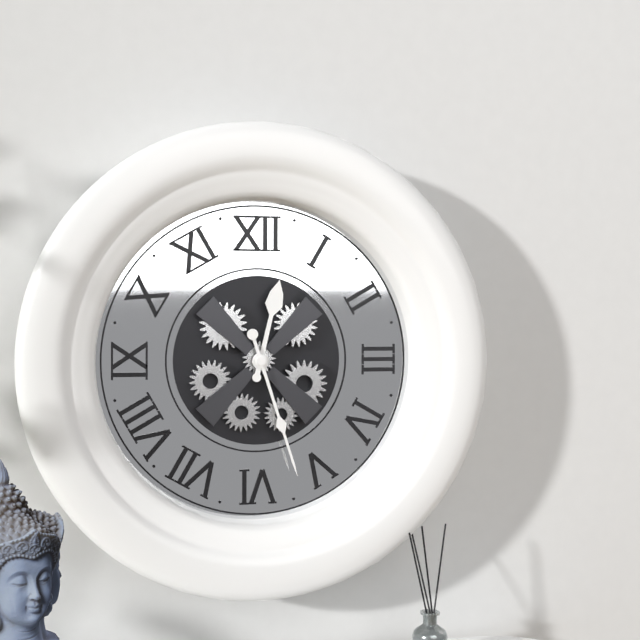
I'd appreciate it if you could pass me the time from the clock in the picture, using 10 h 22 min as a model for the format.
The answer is 12 h 27 min
